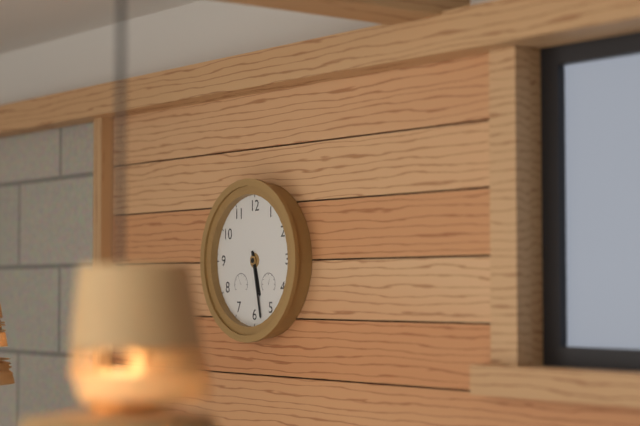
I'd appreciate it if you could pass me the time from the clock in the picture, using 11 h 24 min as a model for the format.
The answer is 5 h 28 min
